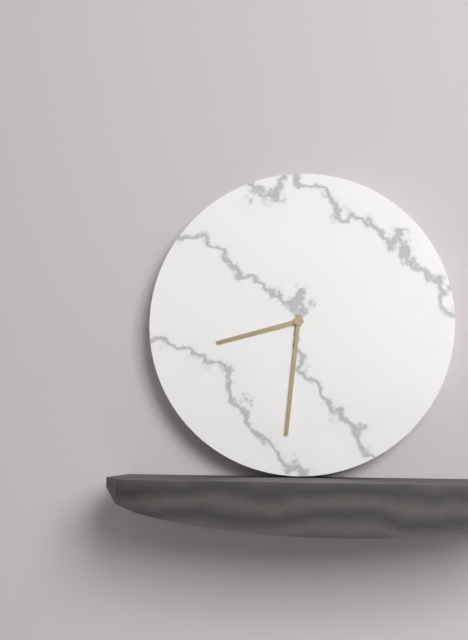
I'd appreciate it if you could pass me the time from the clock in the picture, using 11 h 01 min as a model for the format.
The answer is 8 h 31 min
